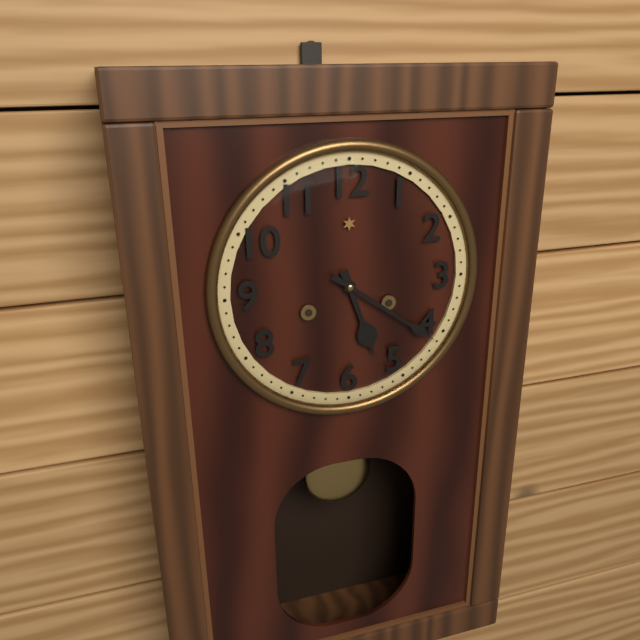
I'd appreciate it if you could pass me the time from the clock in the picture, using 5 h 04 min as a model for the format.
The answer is 5 h 21 min
